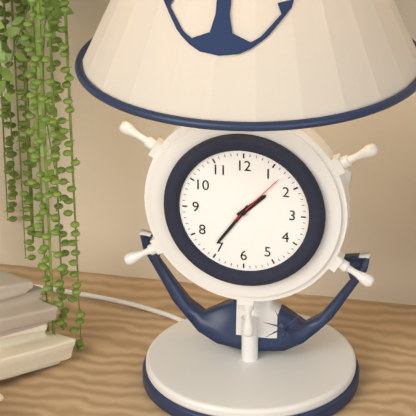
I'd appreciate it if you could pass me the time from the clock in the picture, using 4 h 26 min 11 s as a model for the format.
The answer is 1 h 36 min 07 s
